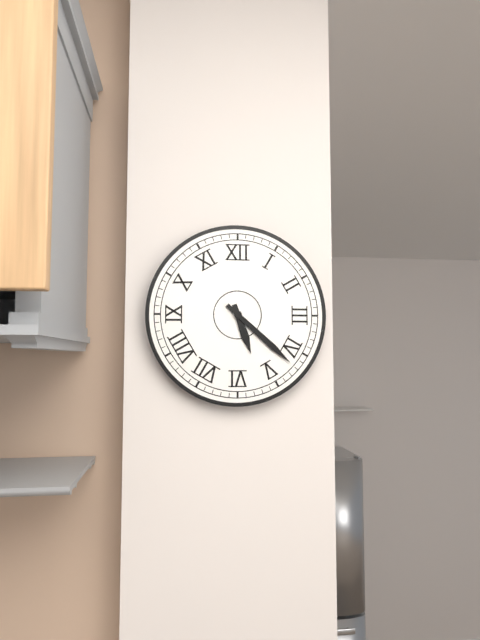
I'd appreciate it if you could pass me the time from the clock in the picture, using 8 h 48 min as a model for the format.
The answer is 5 h 22 min
